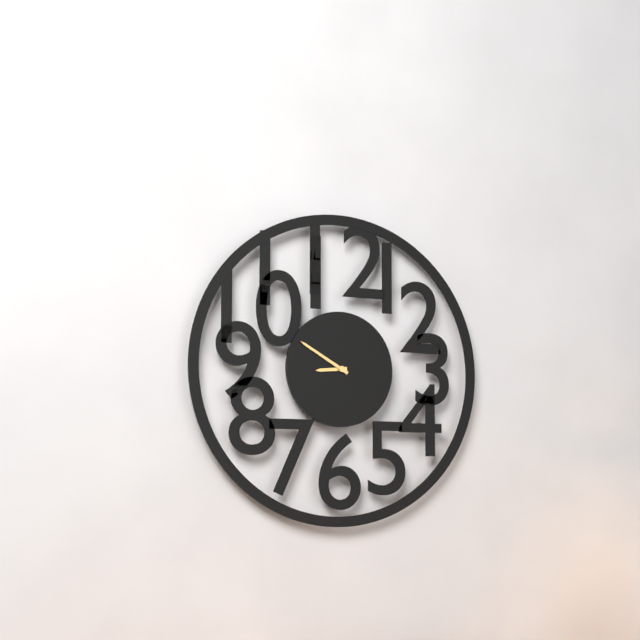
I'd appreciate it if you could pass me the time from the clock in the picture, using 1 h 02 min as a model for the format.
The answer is 8 h 50 min
